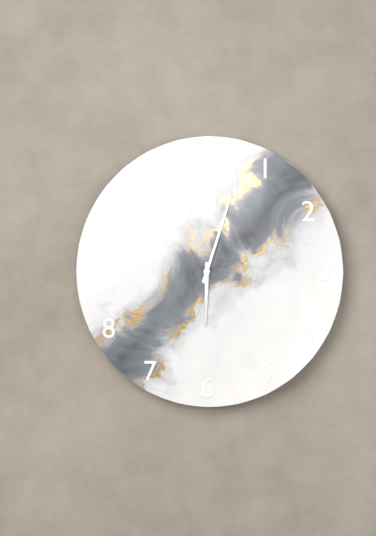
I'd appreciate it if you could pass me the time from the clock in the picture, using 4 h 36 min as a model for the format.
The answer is 6 h 03 min
